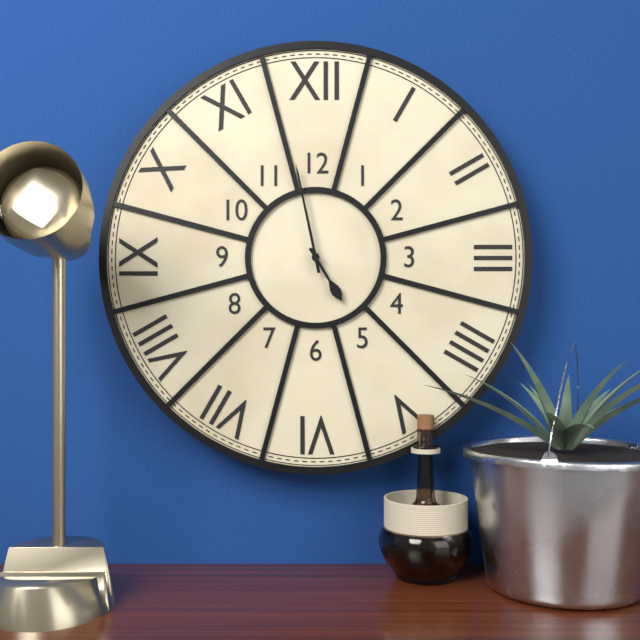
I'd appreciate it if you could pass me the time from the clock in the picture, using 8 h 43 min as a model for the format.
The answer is 4 h 58 min
